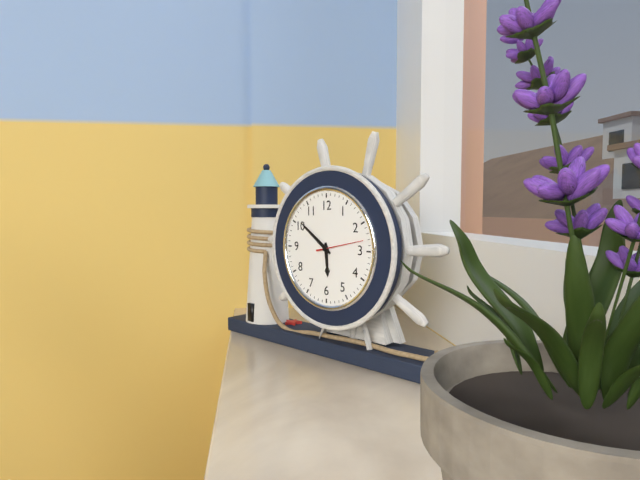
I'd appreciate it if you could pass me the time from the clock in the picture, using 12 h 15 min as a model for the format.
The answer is 5 h 51 min
